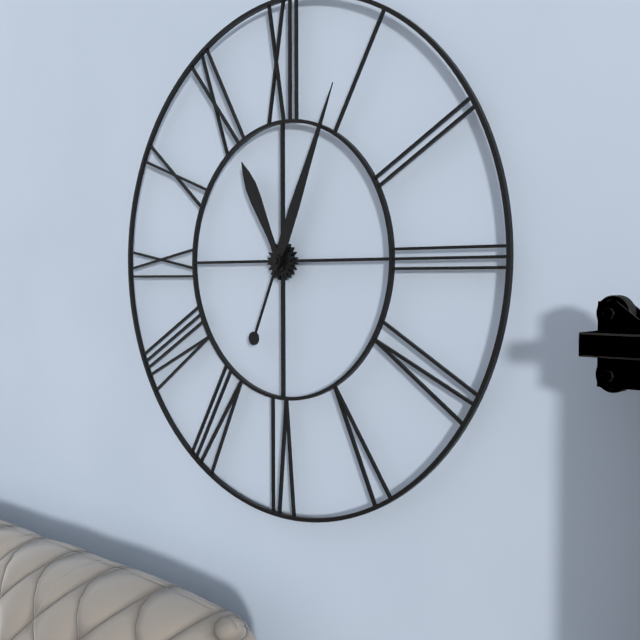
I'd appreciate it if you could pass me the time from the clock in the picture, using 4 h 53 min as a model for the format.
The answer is 11 h 04 min
